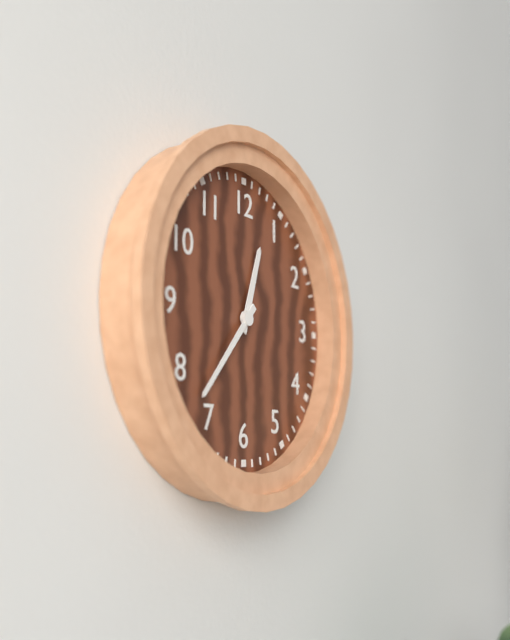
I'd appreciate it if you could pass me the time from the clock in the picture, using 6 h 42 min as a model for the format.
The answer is 12 h 37 min
